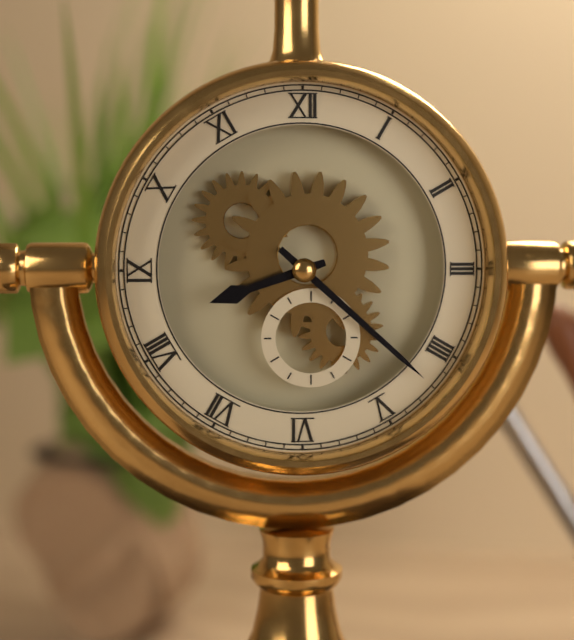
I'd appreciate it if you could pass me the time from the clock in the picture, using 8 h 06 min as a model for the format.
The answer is 8 h 22 min
